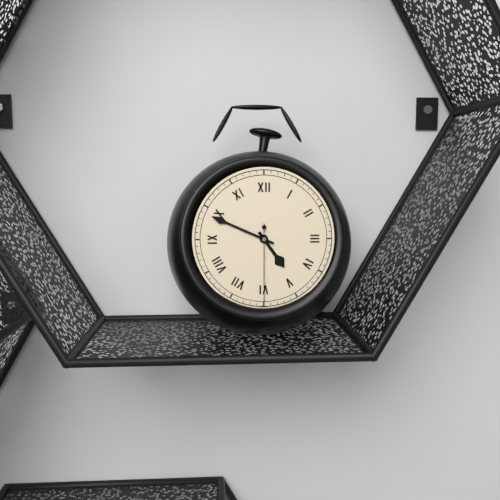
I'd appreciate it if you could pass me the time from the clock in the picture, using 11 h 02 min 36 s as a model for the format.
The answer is 4 h 49 min 30 s
